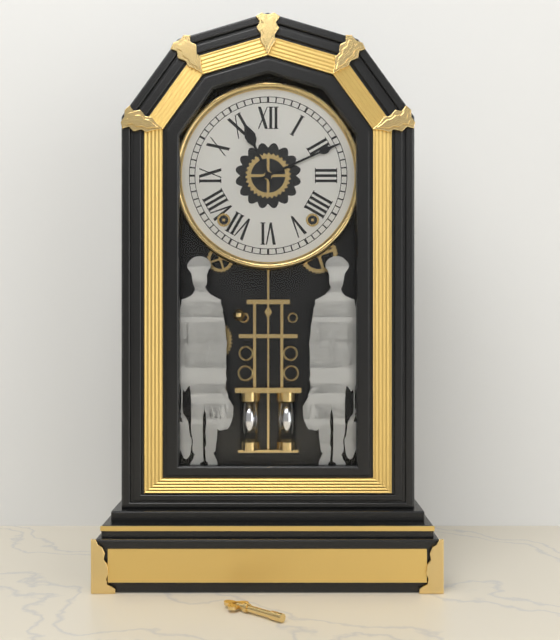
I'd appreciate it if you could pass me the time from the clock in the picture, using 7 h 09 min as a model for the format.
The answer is 11 h 11 min
